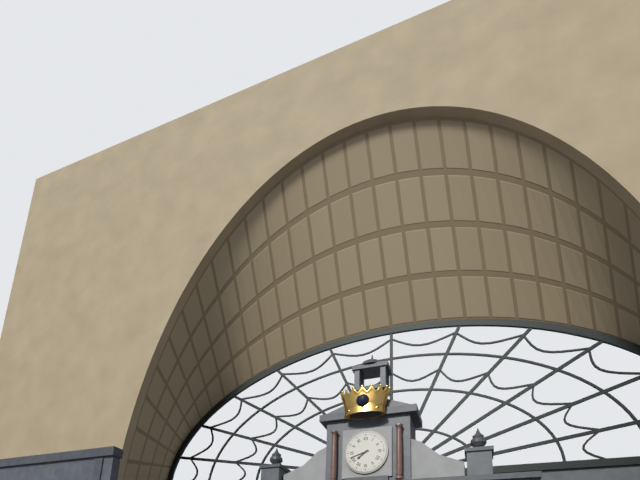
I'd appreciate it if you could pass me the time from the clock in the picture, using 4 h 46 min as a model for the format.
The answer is 7 h 42 min
